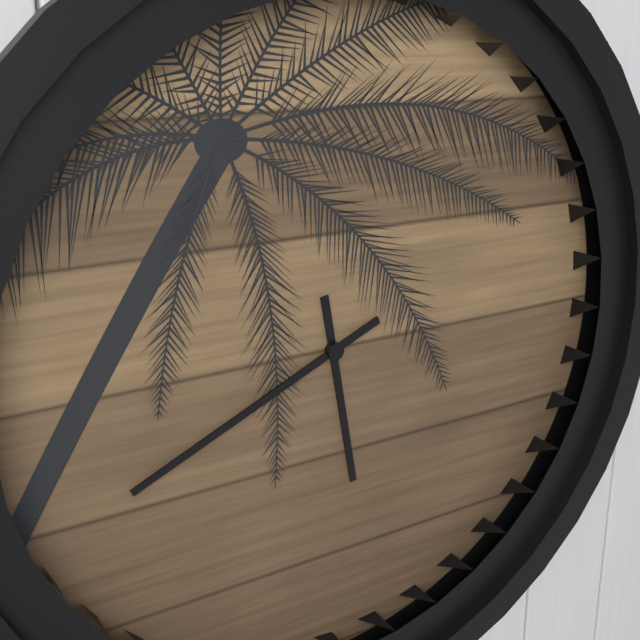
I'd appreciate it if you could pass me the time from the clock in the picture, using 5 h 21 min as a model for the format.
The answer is 5 h 41 min
